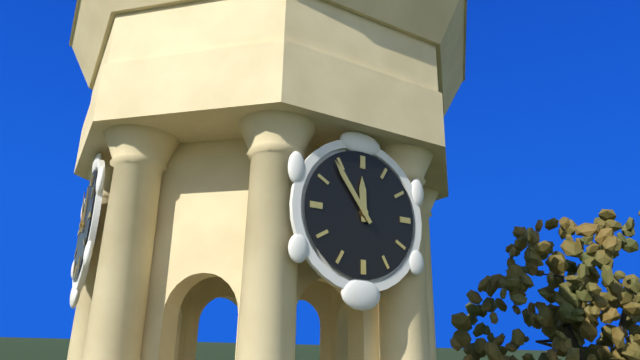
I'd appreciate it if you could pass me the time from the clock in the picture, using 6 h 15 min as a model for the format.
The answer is 11 h 54 min
